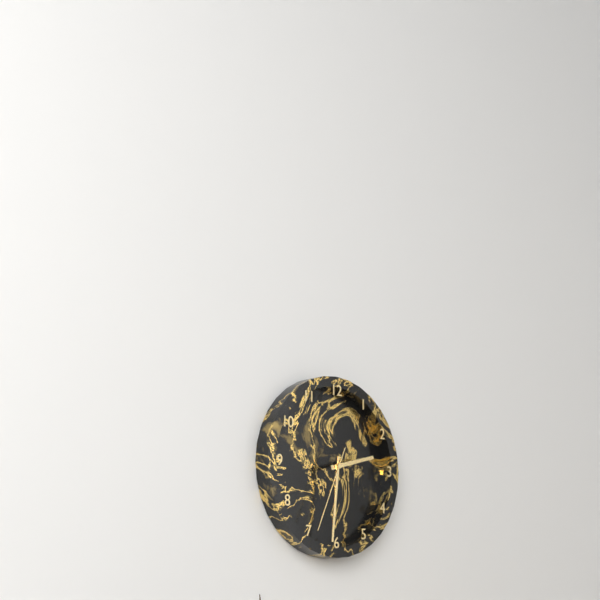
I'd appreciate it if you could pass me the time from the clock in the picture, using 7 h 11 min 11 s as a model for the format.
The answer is 2 h 31 min 34 s
